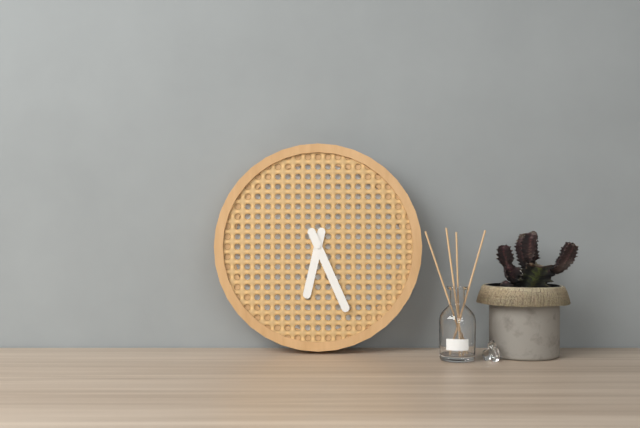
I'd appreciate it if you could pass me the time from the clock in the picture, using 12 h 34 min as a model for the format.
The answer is 6 h 26 min
